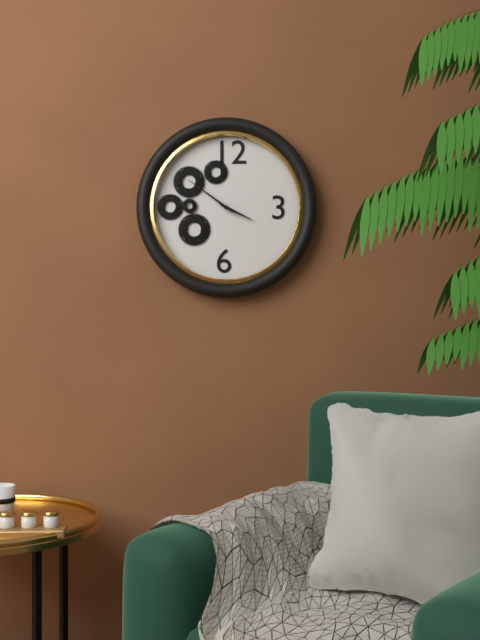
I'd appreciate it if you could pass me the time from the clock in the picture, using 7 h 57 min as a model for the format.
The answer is 3 h 51 min
